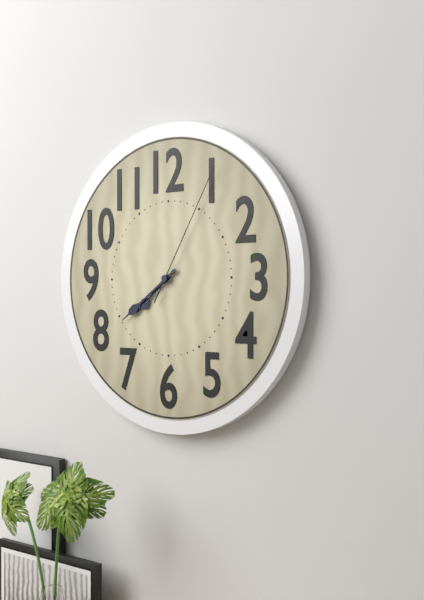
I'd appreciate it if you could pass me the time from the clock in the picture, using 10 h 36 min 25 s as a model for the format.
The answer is 7 h 39 min 05 s
